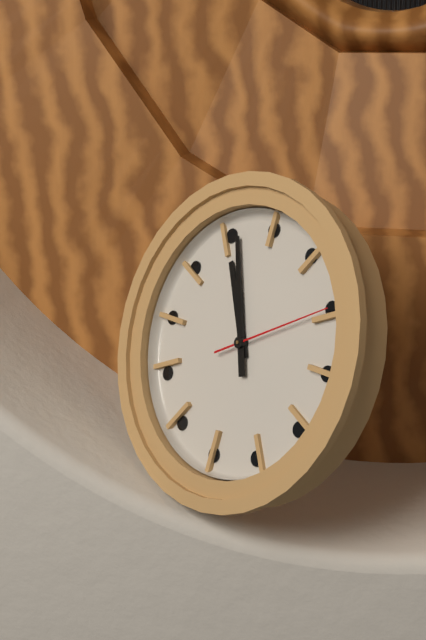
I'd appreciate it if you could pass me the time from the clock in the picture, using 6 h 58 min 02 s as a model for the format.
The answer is 10 h 56 min 10 s
